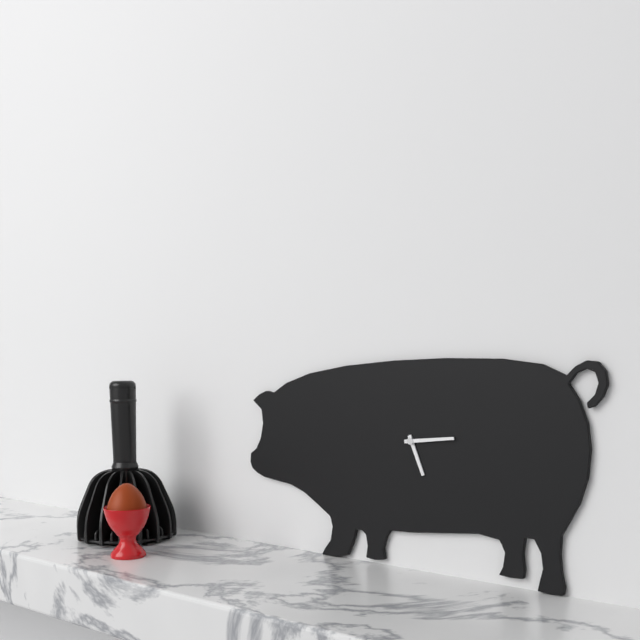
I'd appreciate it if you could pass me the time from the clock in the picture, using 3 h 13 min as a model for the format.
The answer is 5 h 14 min
